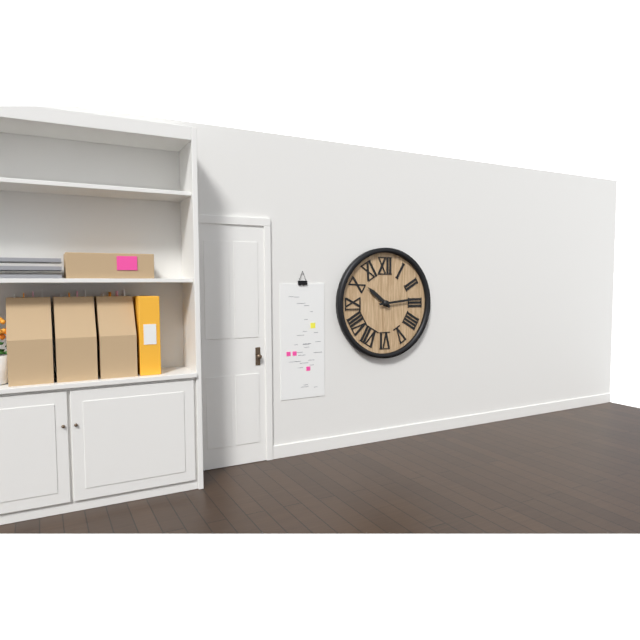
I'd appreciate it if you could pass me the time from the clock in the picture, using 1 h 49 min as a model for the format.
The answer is 10 h 14 min
